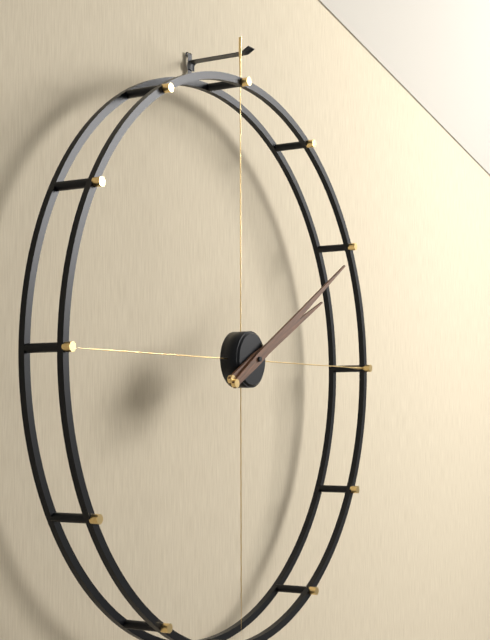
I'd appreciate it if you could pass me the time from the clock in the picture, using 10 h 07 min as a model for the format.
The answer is 2 h 10 min
